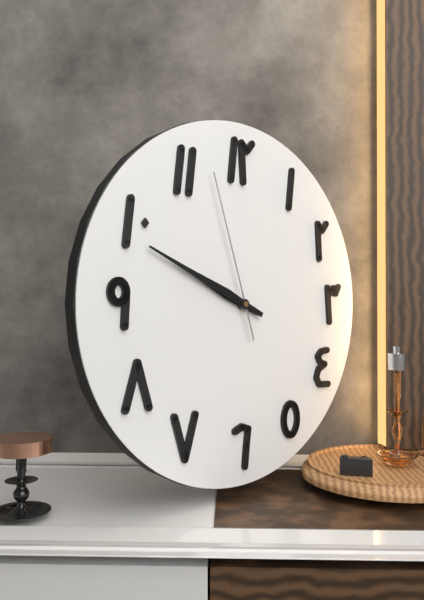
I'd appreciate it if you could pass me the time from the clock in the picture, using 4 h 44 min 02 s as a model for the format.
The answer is 9 h 49 min 57 s
